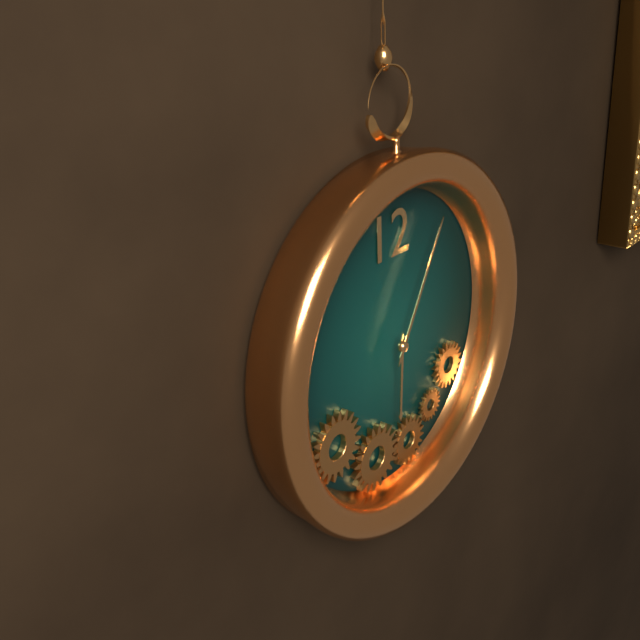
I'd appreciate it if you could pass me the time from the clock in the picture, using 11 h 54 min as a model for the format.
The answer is 6 h 05 min
